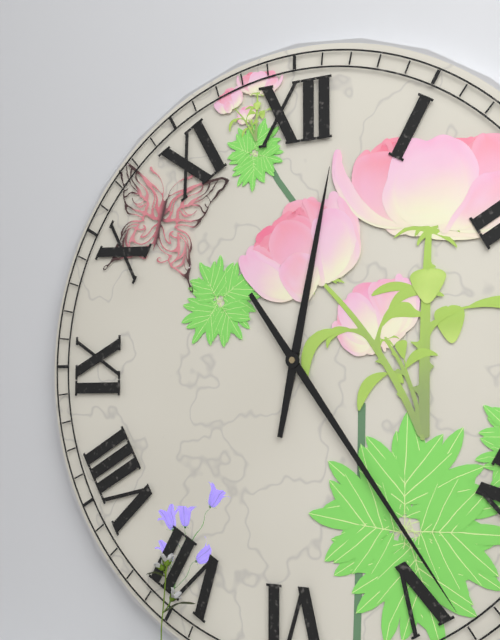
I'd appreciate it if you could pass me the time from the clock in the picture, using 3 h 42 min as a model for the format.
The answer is 12 h 24 min
